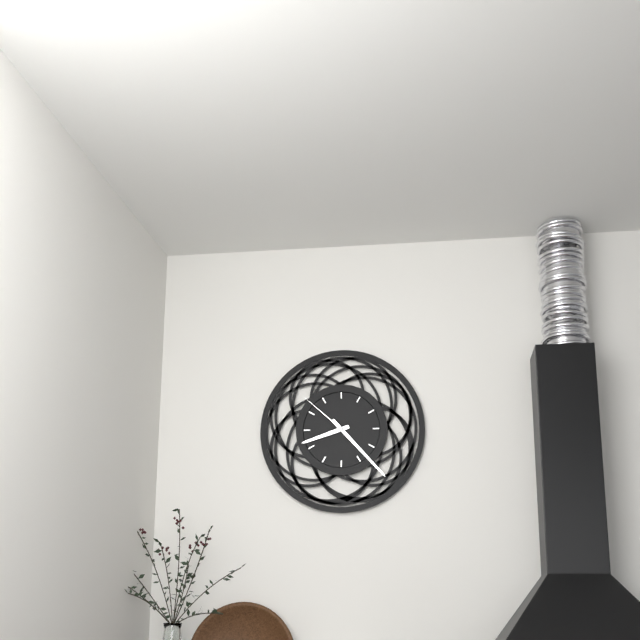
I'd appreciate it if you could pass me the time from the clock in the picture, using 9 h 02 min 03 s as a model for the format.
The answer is 8 h 23 min 52 s
